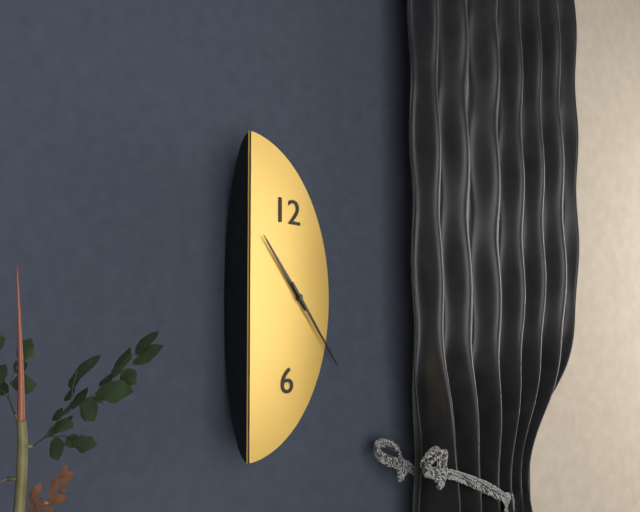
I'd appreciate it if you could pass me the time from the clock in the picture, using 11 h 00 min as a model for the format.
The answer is 10 h 22 min
